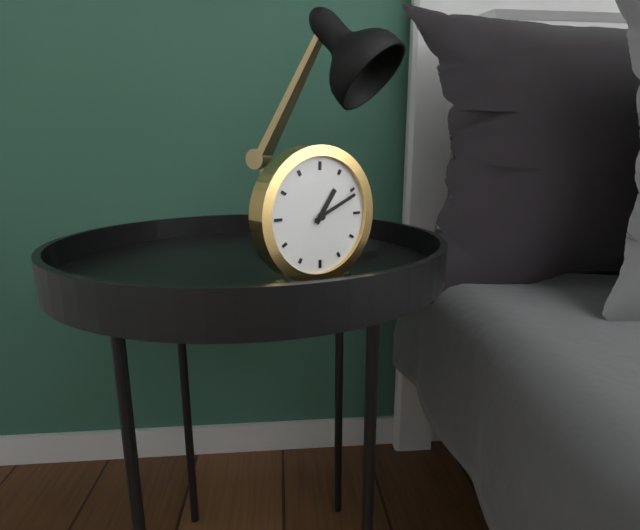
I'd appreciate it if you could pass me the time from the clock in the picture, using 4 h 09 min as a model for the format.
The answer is 1 h 11 min
